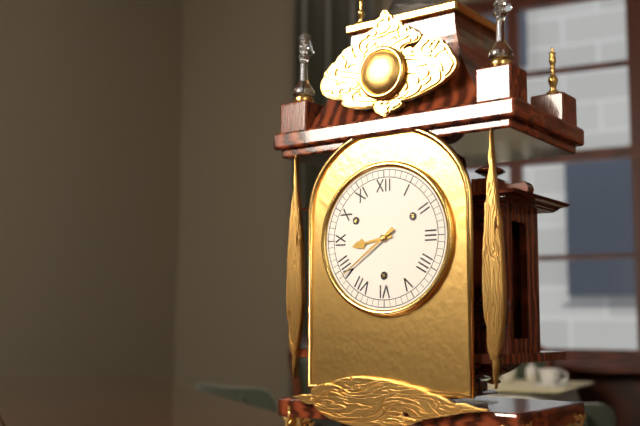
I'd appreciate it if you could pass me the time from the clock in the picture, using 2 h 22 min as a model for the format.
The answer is 8 h 39 min
